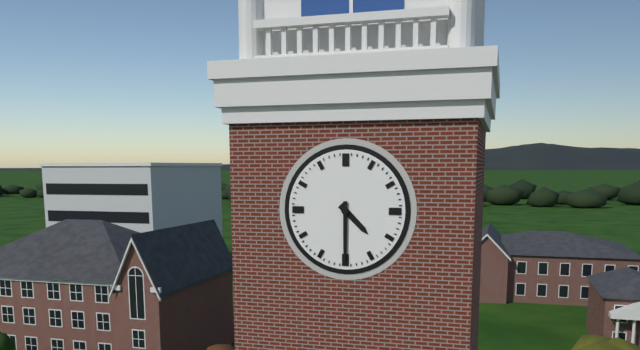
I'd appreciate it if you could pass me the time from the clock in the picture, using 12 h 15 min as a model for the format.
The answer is 4 h 30 min
